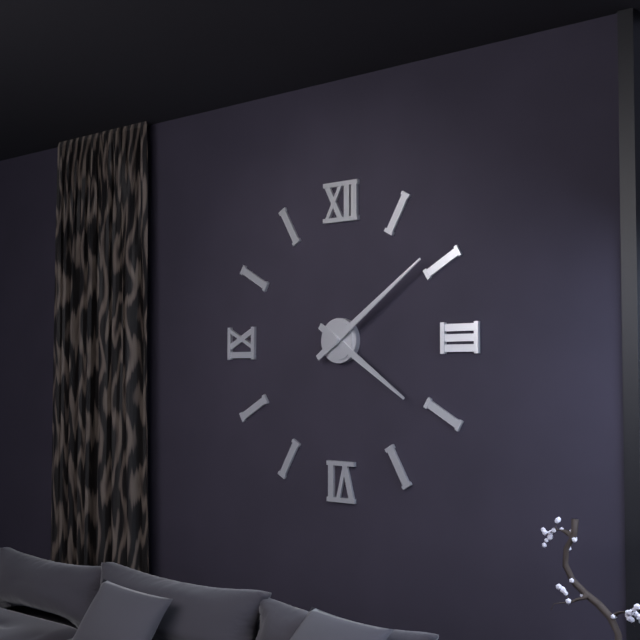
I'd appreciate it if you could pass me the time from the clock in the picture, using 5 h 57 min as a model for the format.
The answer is 4 h 09 min
